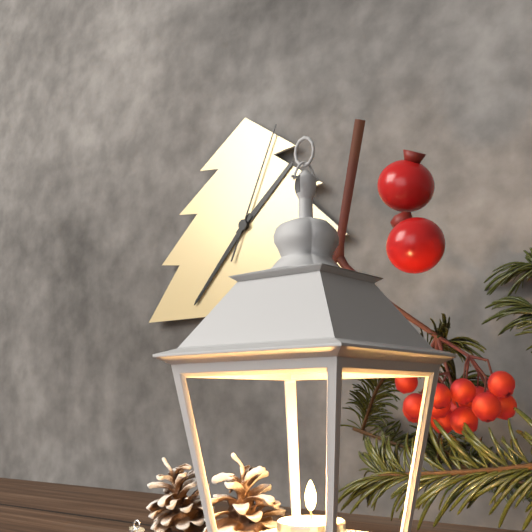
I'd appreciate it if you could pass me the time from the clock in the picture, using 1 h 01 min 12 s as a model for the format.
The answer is 1 h 37 min 04 s
